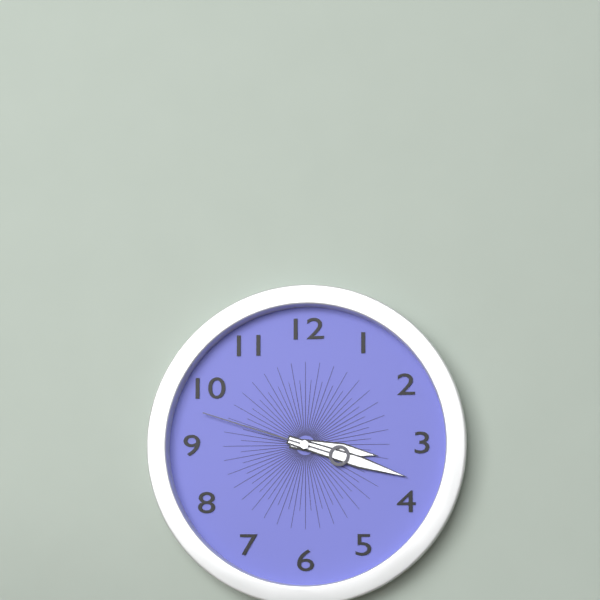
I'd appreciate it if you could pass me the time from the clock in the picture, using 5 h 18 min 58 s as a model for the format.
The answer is 3 h 18 min 48 s
